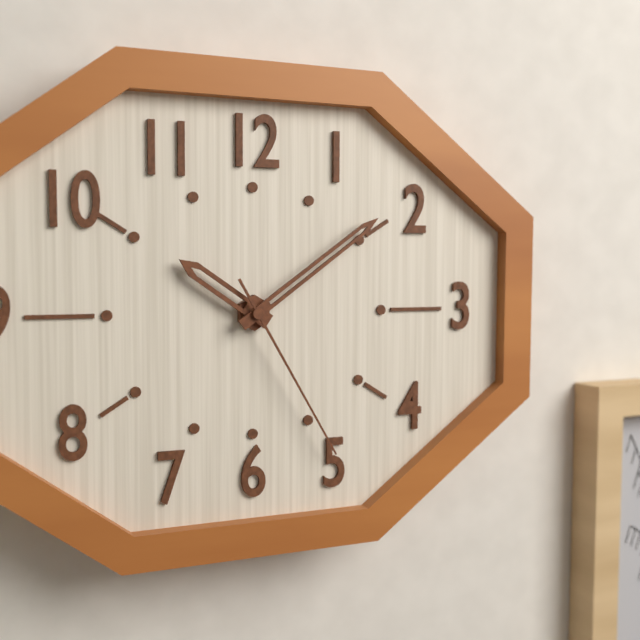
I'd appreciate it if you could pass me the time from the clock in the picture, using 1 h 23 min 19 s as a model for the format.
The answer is 10 h 09 min 25 s
